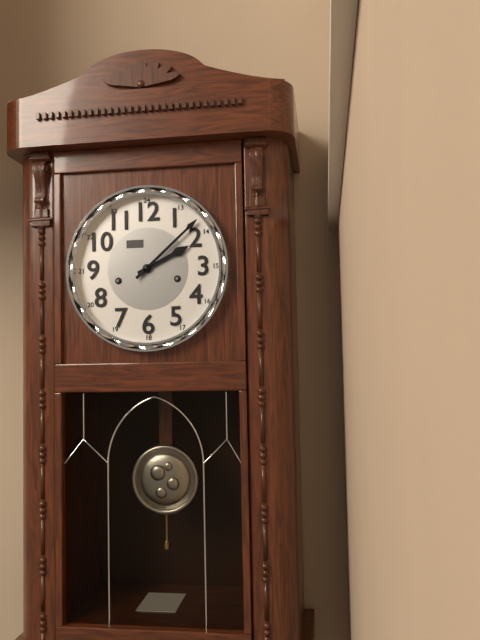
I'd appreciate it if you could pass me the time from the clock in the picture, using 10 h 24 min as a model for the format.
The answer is 2 h 08 min
